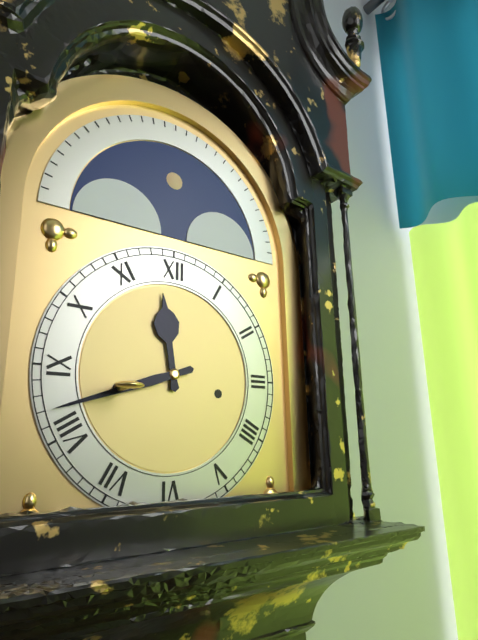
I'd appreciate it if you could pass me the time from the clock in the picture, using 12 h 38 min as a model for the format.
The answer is 11 h 42 min
